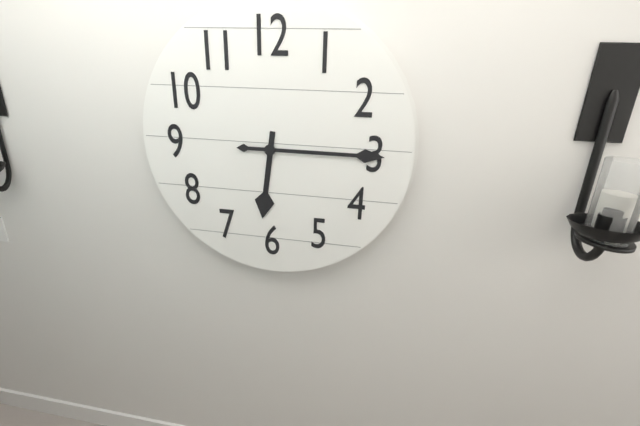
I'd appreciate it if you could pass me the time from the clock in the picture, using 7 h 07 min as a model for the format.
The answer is 6 h 15 min
